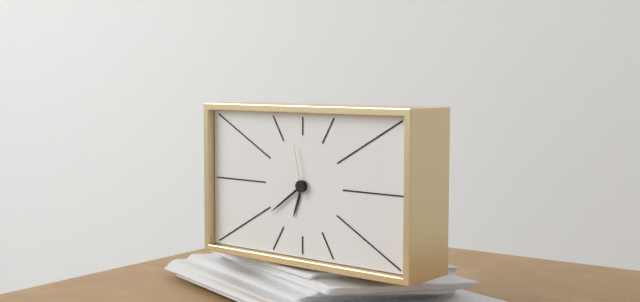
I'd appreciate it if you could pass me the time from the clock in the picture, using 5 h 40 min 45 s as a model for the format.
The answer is 6 h 39 min 58 s
